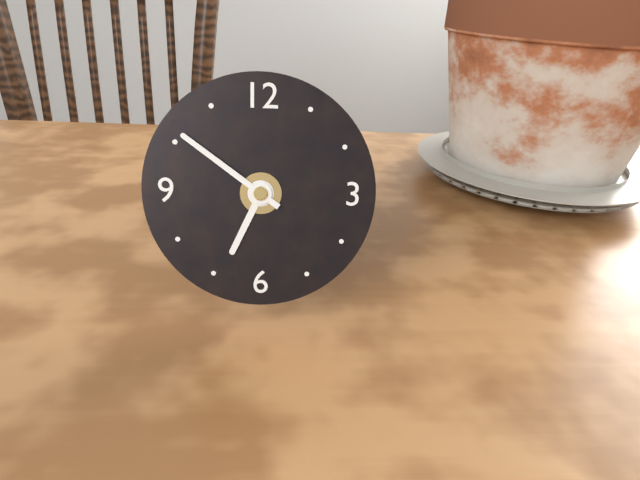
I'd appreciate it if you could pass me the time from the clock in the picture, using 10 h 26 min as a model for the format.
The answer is 6 h 51 min
